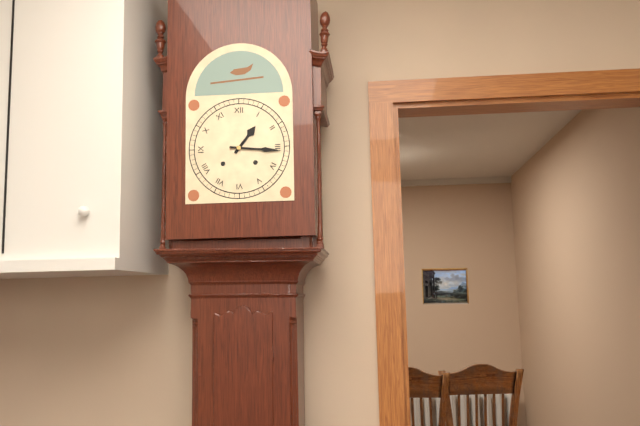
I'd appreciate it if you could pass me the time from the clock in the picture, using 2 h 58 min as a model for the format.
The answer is 1 h 16 min
